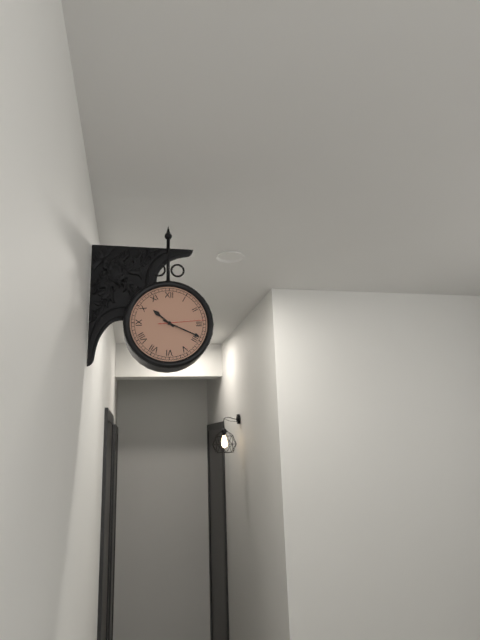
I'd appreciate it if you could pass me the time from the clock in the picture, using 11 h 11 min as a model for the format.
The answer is 10 h 19 min
